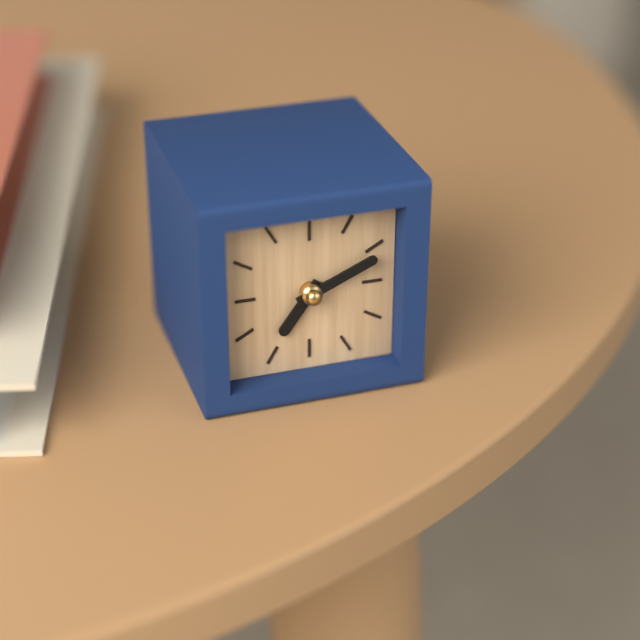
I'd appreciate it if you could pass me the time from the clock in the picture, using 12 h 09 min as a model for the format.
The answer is 7 h 11 min
